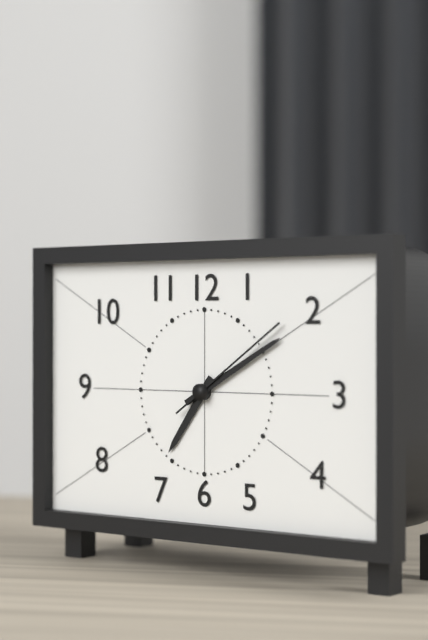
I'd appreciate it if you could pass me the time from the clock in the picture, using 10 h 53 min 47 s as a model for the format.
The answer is 7 h 10 min 09 s
